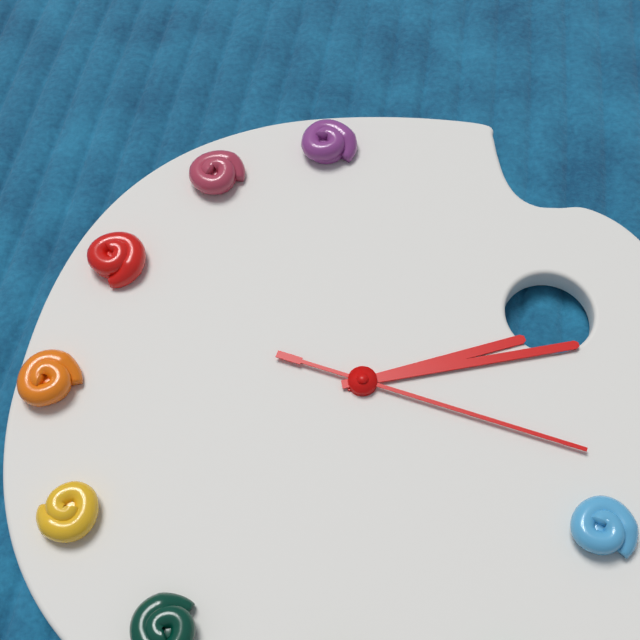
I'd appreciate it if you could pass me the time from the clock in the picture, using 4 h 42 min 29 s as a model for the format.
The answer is 2 h 12 min 17 s
